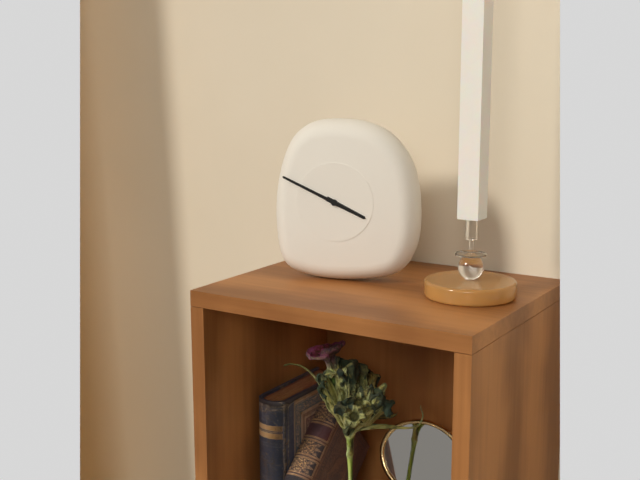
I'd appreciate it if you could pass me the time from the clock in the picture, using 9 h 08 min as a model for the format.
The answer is 3 h 49 min
